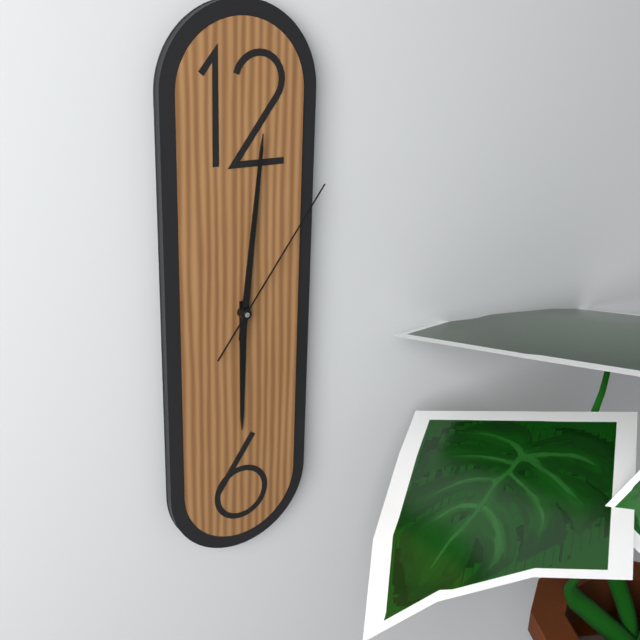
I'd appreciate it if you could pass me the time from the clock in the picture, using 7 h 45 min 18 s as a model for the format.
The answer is 6 h 01 min 06 s
